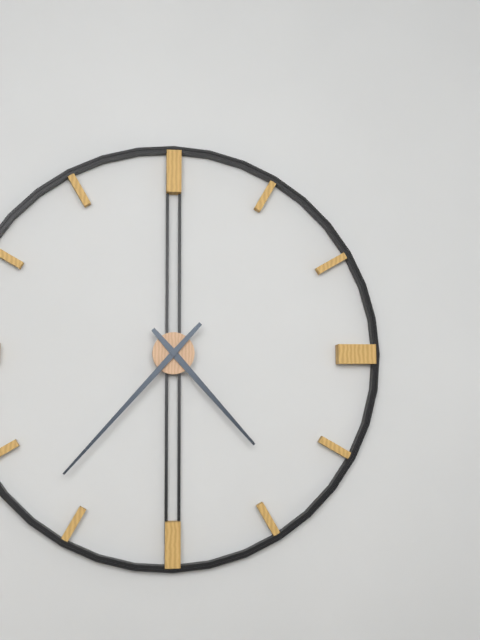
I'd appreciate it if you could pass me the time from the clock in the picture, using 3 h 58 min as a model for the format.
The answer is 4 h 37 min
